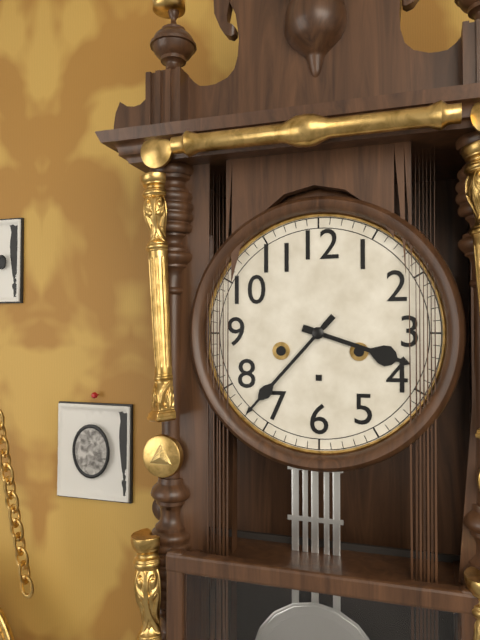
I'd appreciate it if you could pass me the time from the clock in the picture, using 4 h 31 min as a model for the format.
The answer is 3 h 37 min
